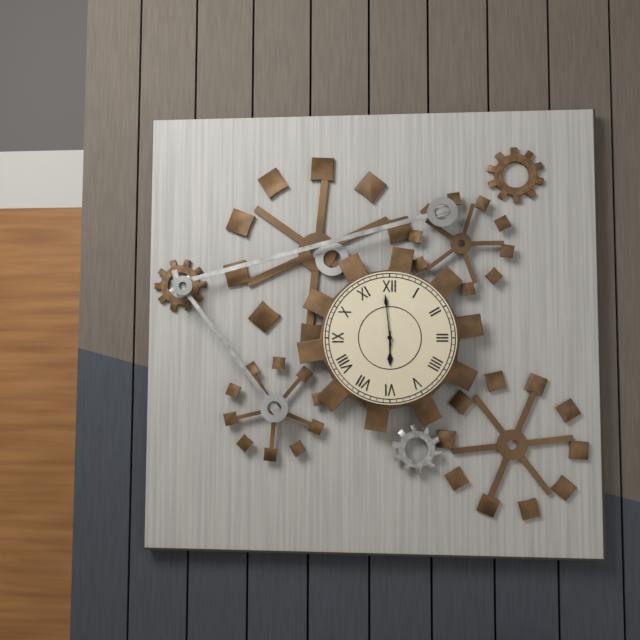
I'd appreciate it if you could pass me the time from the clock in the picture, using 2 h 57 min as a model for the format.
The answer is 5 h 59 min
